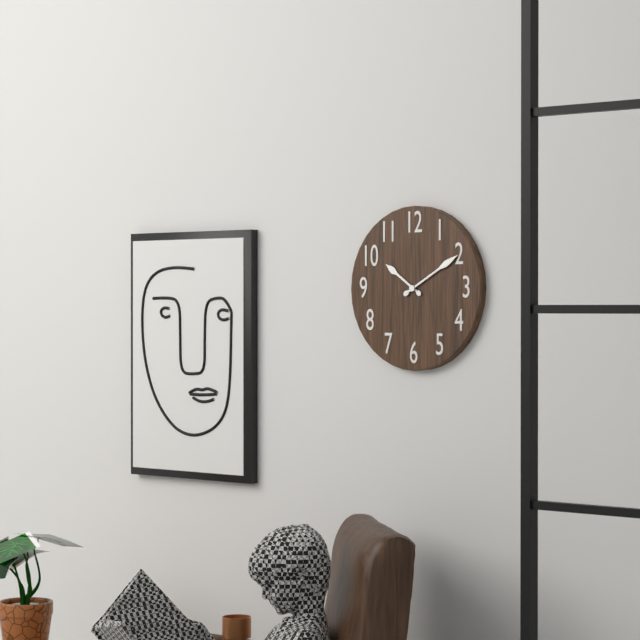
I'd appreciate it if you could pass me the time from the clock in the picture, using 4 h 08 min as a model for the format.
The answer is 10 h 10 min
